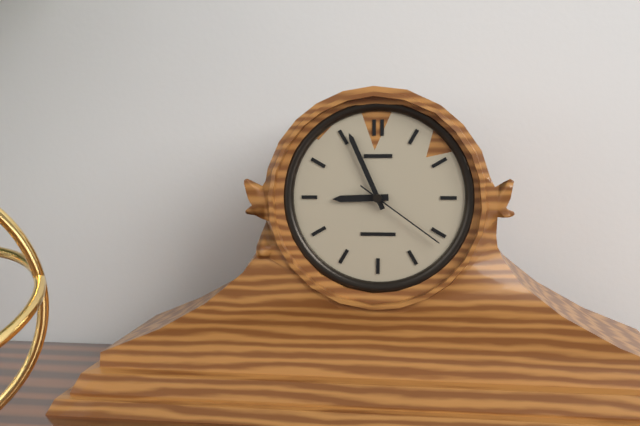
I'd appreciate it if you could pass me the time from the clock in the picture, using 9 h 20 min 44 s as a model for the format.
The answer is 8 h 56 min 21 s
